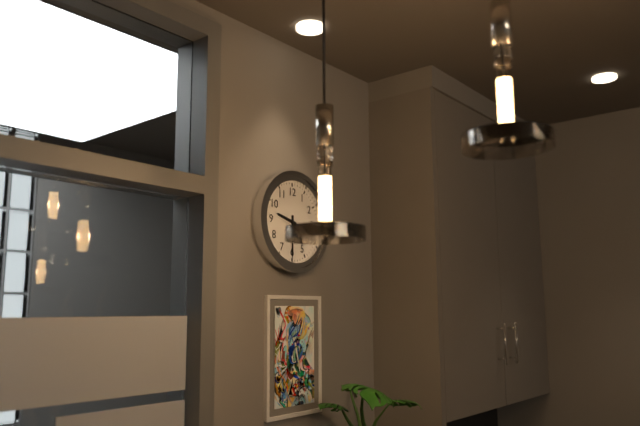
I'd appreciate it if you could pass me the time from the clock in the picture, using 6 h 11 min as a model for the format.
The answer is 9 h 30 min
